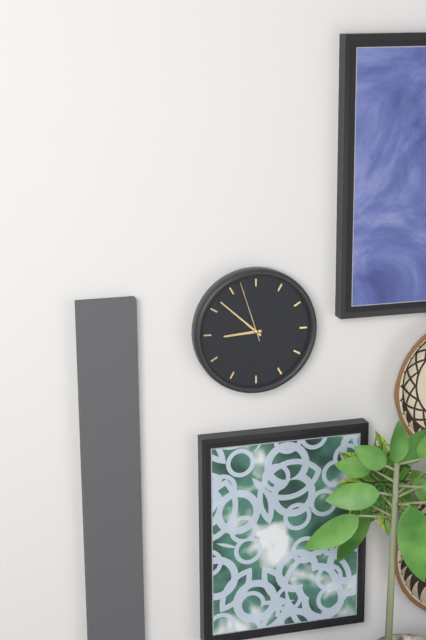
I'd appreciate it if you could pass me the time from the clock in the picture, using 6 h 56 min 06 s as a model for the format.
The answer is 8 h 52 min 57 s
